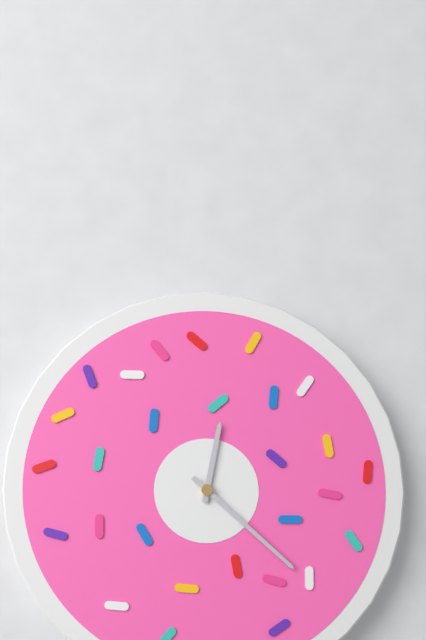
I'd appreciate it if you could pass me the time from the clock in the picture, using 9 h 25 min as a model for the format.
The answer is 12 h 22 min
